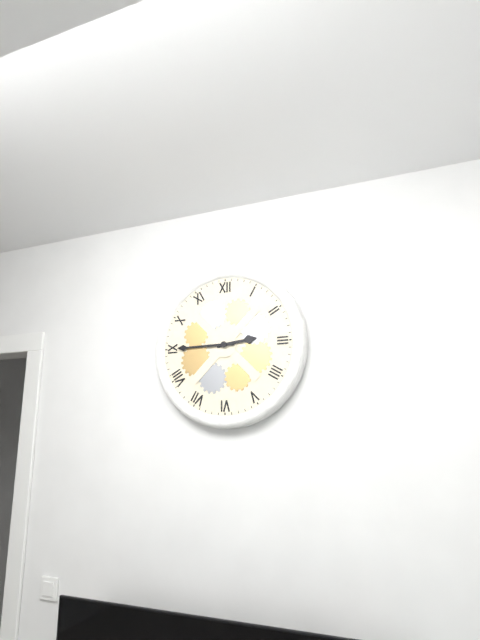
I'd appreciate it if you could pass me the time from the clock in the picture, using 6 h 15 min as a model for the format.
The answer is 2 h 45 min
